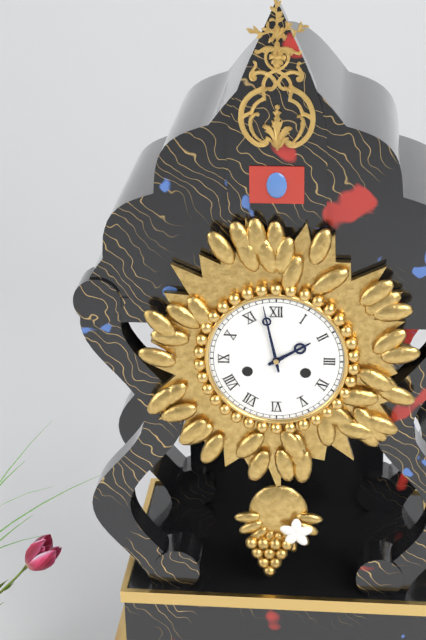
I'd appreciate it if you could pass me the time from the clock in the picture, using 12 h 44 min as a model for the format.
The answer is 1 h 58 min
